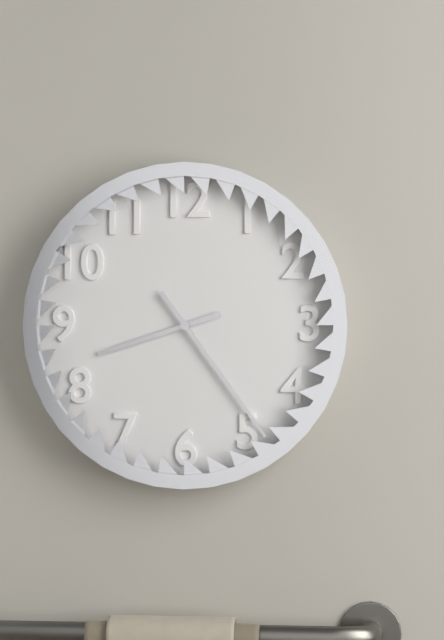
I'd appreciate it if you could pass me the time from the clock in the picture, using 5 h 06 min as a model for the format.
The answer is 8 h 24 min
